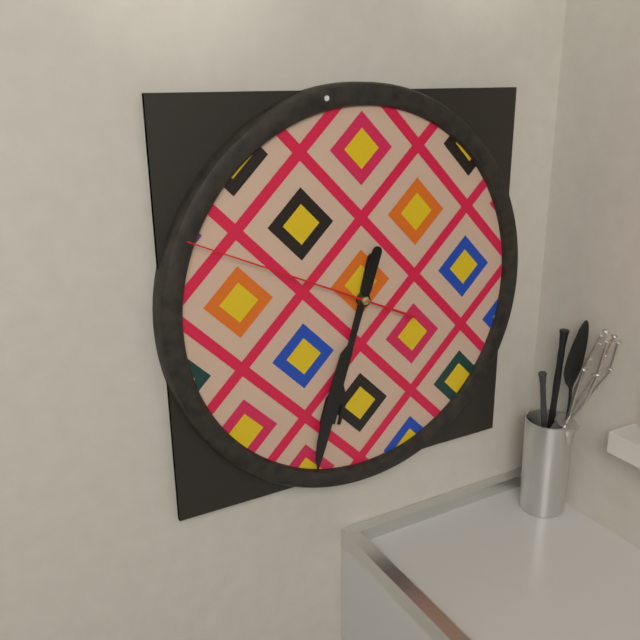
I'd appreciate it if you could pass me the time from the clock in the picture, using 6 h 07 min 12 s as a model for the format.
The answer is 6 h 33 min 49 s
